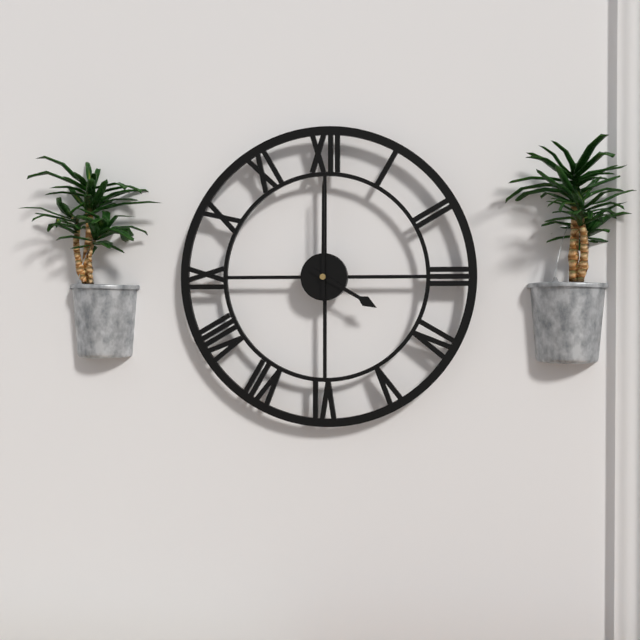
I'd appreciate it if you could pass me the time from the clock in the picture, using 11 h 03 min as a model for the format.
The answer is 4 h 00 min
